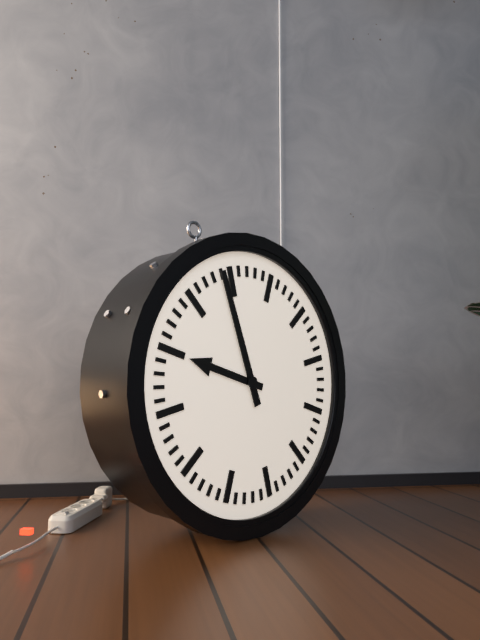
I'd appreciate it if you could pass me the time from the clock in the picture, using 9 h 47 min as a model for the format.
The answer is 9 h 59 min
